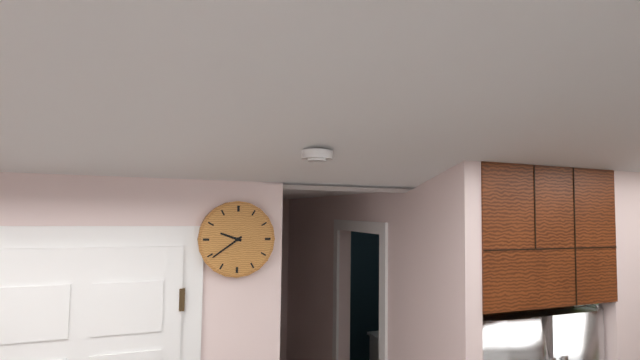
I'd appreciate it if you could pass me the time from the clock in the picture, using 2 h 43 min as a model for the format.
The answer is 9 h 39 min
